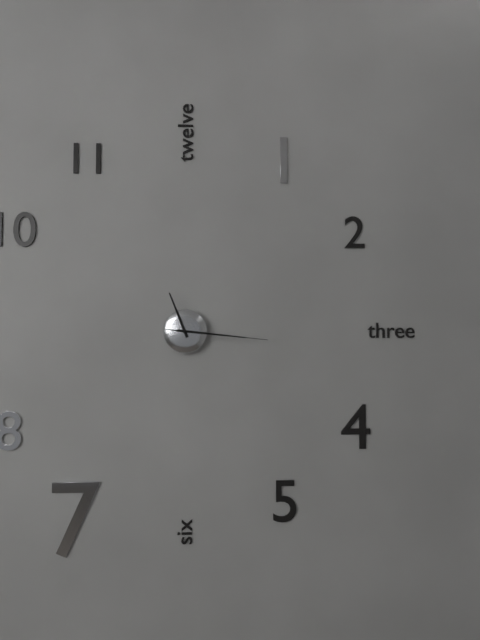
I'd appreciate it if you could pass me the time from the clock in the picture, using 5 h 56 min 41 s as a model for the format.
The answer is 11 h 16 min 16 s
